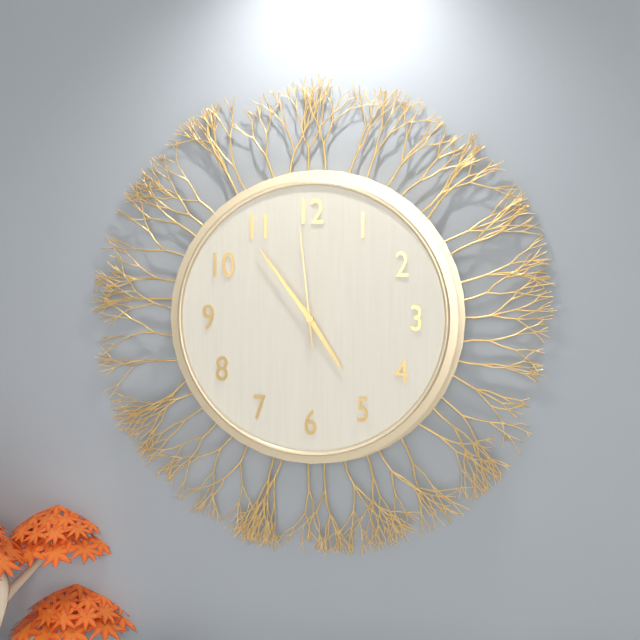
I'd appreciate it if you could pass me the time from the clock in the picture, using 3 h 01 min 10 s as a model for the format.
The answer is 4 h 54 min 59 s
